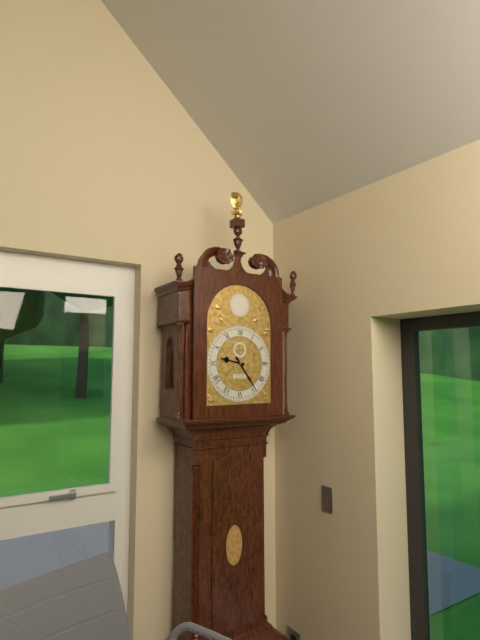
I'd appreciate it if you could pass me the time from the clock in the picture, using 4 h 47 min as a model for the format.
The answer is 9 h 24 min
